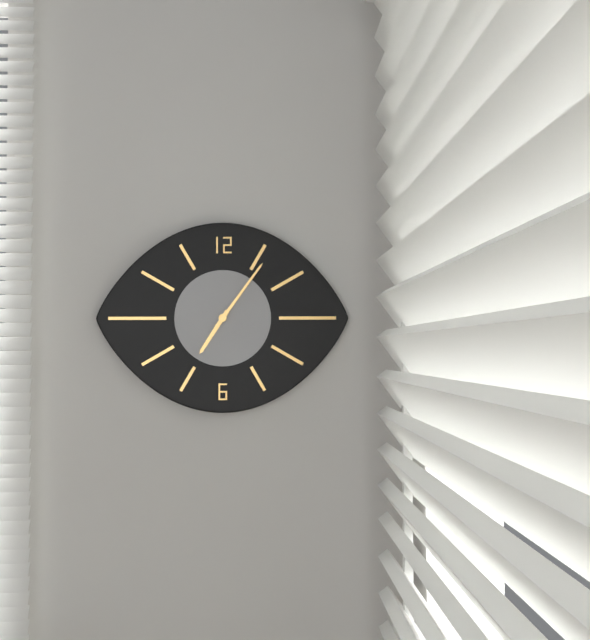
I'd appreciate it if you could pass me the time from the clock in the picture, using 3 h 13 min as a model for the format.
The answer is 7 h 06 min
